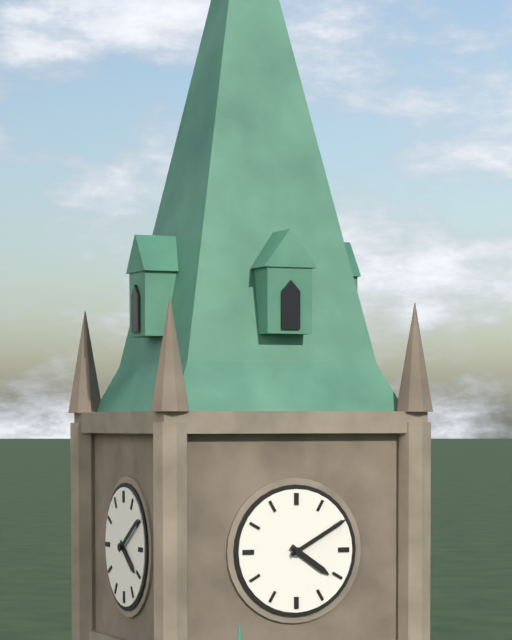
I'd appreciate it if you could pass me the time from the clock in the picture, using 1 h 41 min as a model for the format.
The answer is 4 h 10 min
